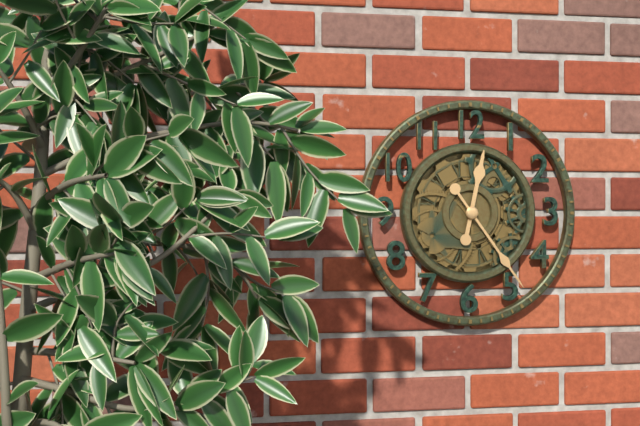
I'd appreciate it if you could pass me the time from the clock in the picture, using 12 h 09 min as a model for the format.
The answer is 12 h 24 min
